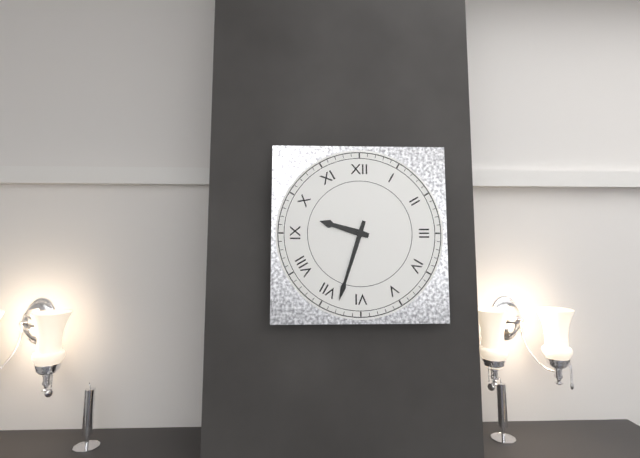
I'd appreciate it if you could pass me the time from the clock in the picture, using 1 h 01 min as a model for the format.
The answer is 9 h 33 min
